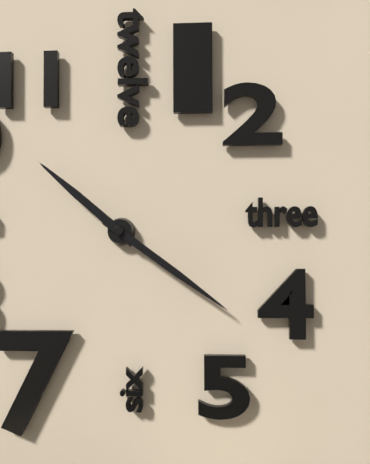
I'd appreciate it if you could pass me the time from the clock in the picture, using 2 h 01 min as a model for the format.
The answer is 10 h 21 min
